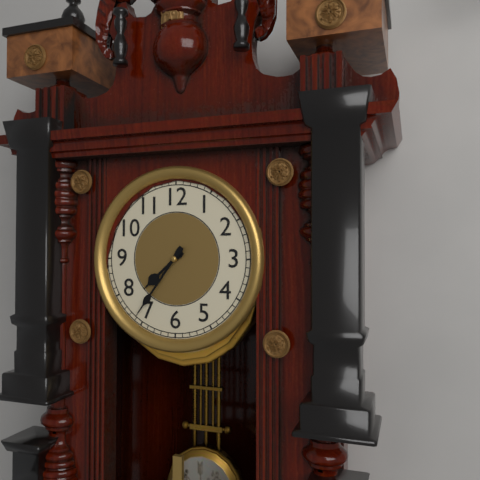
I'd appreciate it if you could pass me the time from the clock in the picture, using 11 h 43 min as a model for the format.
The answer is 7 h 36 min
